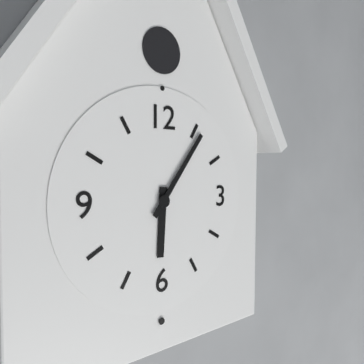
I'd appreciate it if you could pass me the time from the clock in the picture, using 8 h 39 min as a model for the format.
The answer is 6 h 06 min
